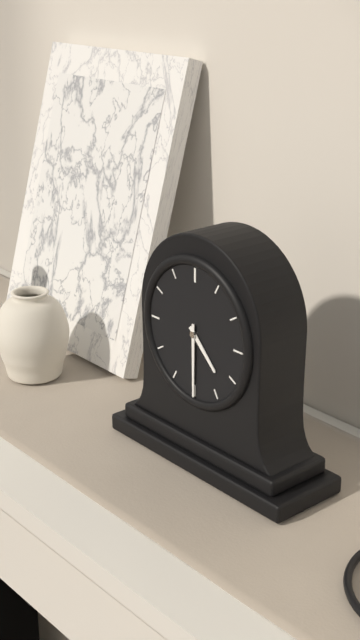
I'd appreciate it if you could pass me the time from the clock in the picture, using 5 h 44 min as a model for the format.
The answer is 4 h 30 min
